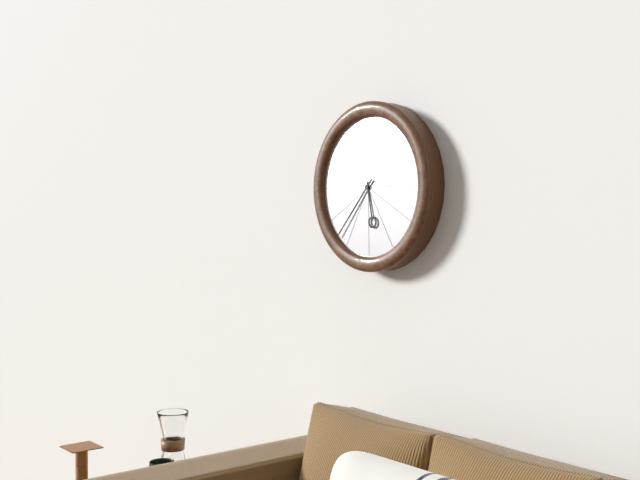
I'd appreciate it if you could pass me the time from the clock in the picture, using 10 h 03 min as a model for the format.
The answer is 5 h 37 min
